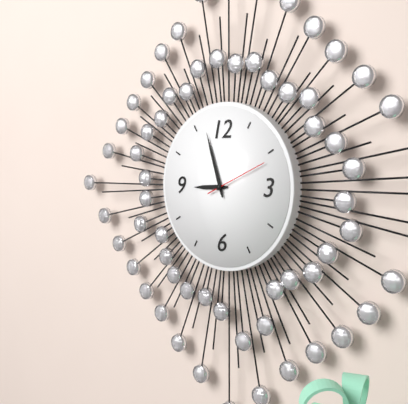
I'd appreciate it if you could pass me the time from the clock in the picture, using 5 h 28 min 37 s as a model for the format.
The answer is 8 h 57 min 11 s
